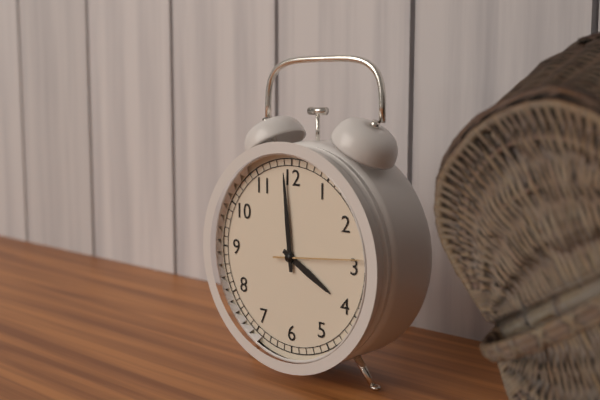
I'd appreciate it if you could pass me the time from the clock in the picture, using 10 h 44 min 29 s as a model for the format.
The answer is 3 h 59 min 14 s
